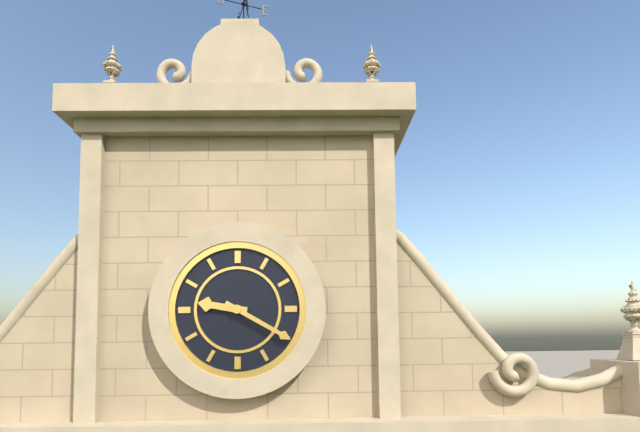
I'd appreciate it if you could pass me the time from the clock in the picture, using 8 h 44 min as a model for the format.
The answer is 9 h 20 min
